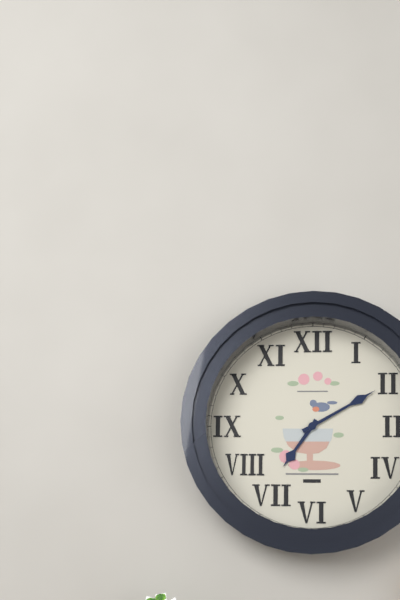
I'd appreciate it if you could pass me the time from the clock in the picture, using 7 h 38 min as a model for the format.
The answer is 7 h 10 min
